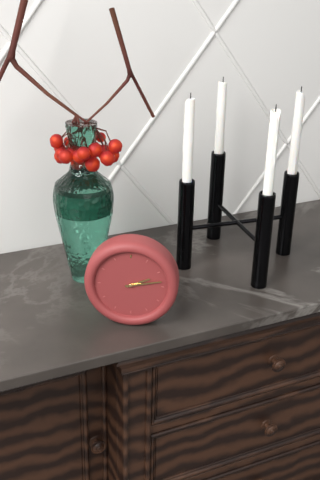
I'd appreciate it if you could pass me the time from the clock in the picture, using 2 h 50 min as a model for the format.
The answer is 2 h 13 min
